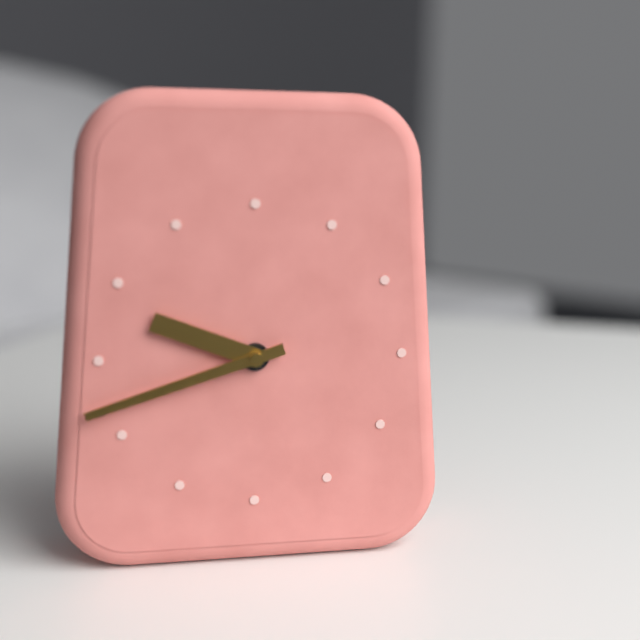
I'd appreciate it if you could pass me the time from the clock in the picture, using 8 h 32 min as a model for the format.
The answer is 9 h 42 min
